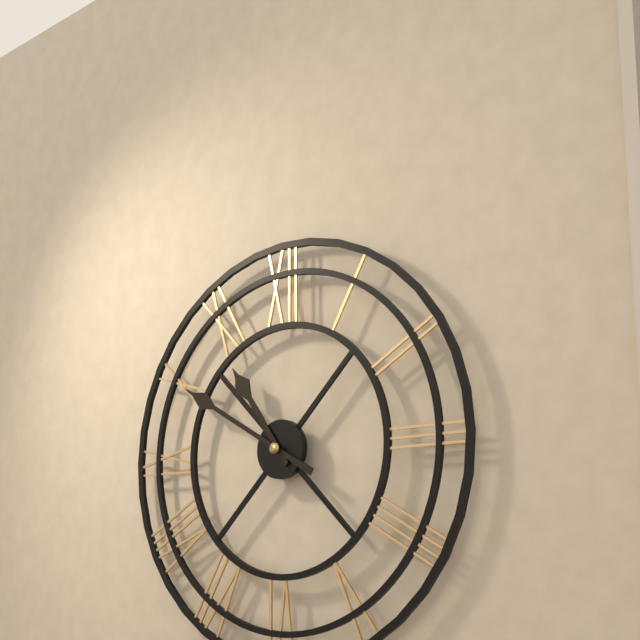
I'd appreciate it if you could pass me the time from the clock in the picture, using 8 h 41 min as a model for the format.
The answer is 10 h 50 min
